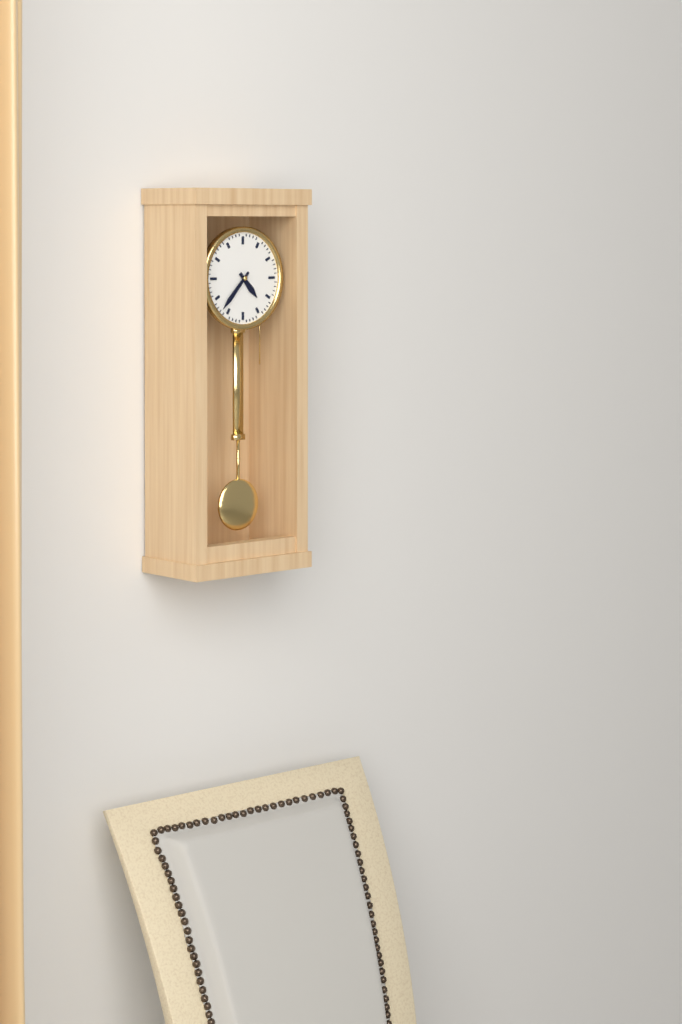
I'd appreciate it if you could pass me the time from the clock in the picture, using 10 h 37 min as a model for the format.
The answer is 4 h 37 min
